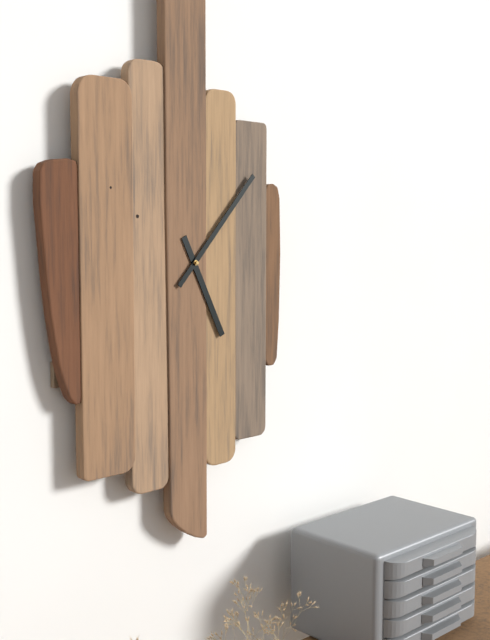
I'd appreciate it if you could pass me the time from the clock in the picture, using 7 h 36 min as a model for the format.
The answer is 5 h 07 min
